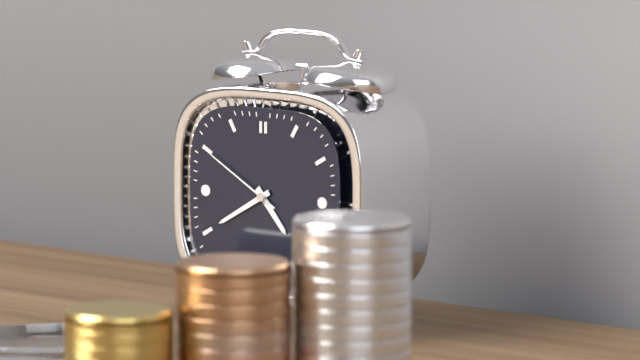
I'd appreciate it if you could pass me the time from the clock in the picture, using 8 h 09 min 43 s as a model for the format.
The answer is 4 h 40 min 50 s
